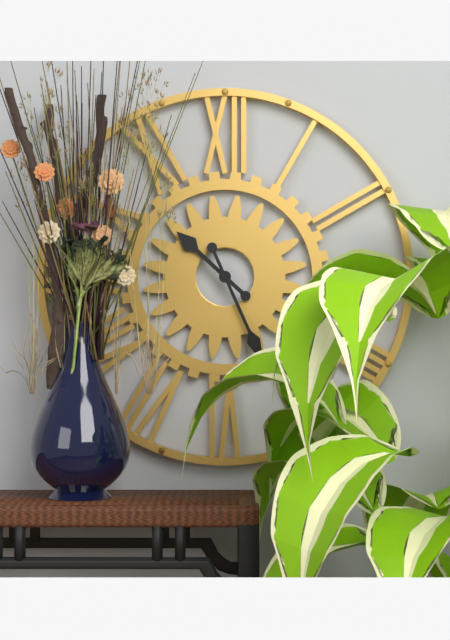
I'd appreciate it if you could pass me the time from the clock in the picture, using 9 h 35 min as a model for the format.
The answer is 10 h 26 min
